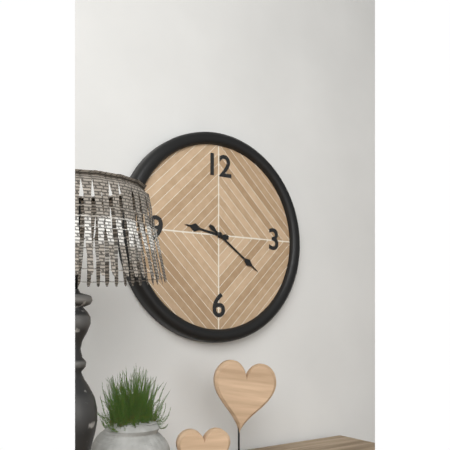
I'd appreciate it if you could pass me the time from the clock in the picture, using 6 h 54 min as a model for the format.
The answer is 9 h 21 min
